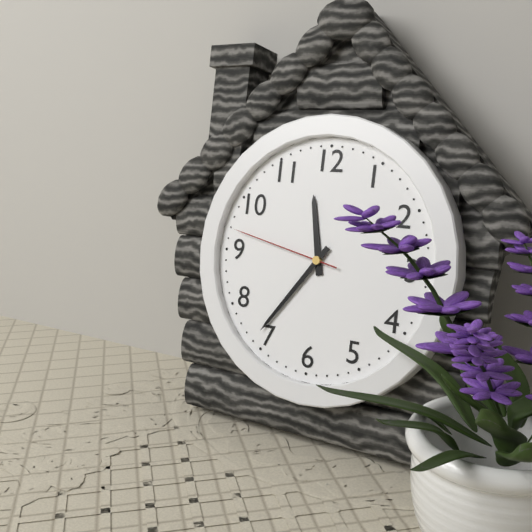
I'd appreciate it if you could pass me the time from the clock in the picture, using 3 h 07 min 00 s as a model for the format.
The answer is 11 h 36 min 47 s
